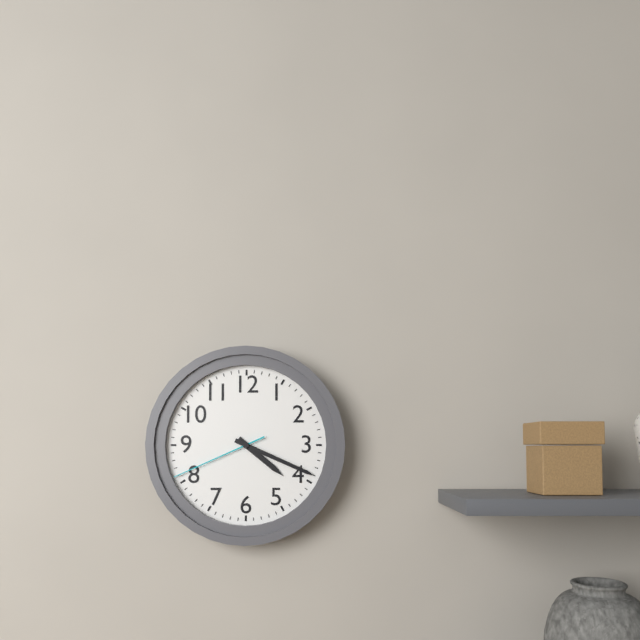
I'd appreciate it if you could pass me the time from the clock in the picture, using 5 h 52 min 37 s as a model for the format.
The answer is 4 h 19 min 41 s
